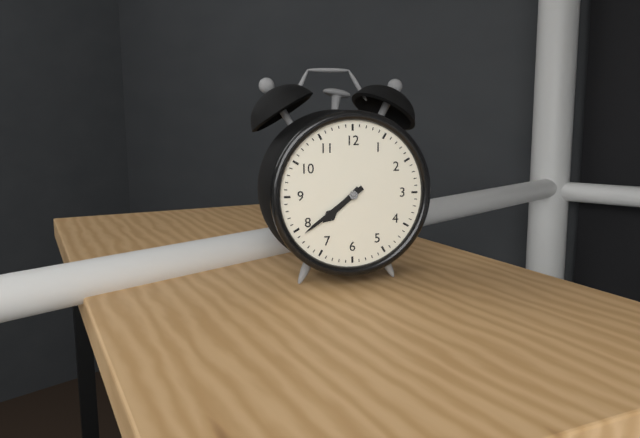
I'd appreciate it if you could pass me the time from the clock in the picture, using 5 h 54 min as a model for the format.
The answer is 7 h 39 min
